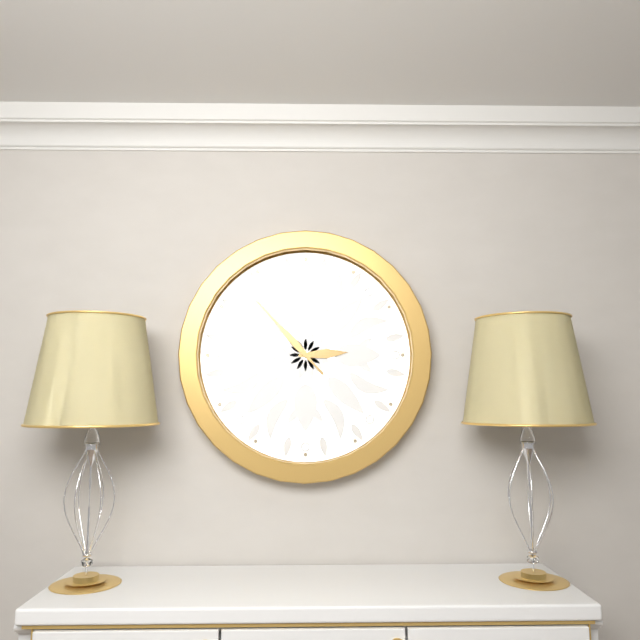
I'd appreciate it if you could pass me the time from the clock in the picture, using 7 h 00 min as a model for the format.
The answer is 2 h 53 min
